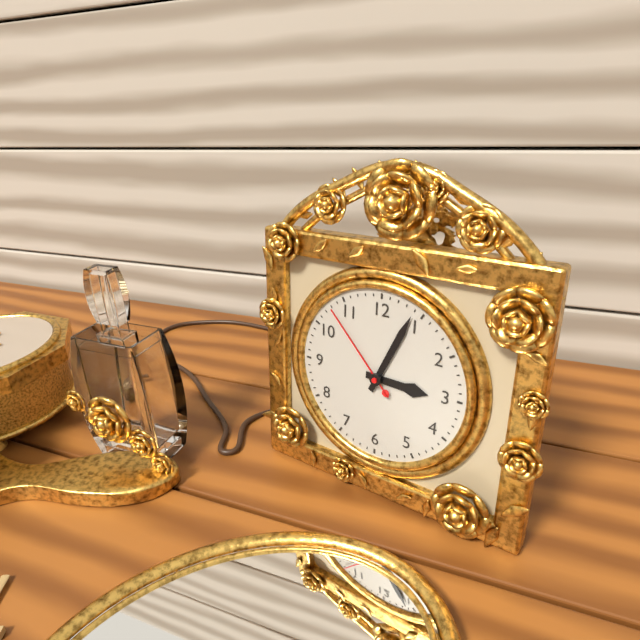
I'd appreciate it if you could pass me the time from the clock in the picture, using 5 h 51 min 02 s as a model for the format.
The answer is 3 h 04 min 53 s
